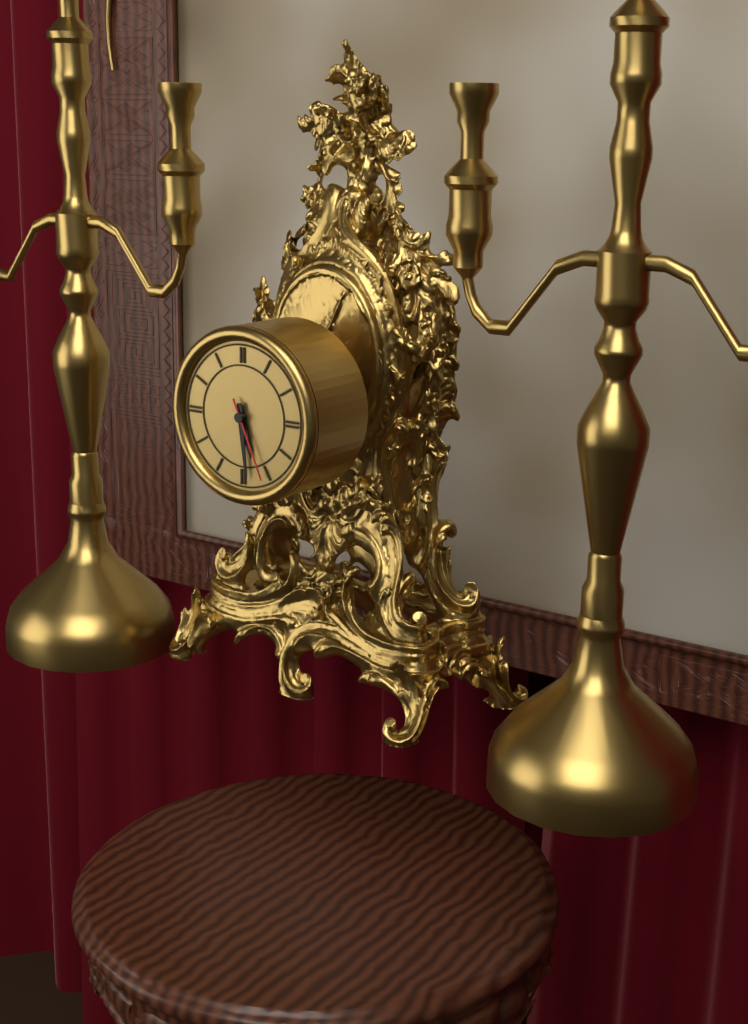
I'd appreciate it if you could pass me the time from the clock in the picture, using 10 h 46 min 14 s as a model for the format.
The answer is 5 h 29 min 26 s
